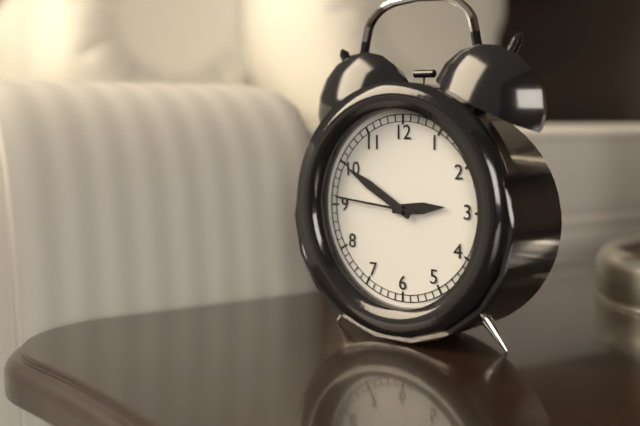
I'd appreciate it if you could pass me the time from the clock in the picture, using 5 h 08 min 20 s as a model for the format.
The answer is 2 h 50 min 46 s
